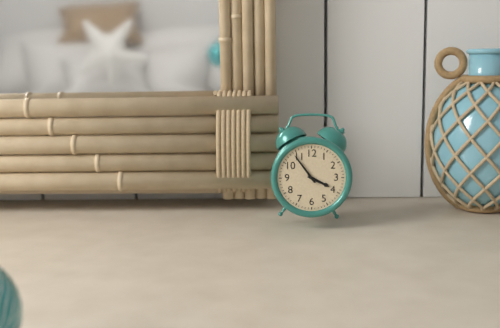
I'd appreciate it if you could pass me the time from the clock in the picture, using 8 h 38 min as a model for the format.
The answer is 3 h 54 min
